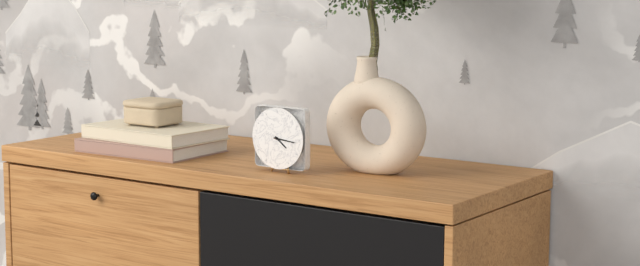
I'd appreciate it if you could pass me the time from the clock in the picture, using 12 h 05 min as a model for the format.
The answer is 4 h 16 min
